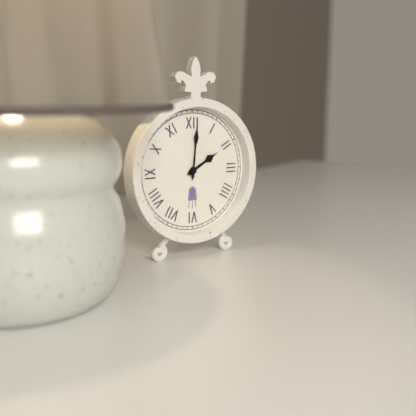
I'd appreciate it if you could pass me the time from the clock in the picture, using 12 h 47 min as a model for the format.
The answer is 2 h 01 min
